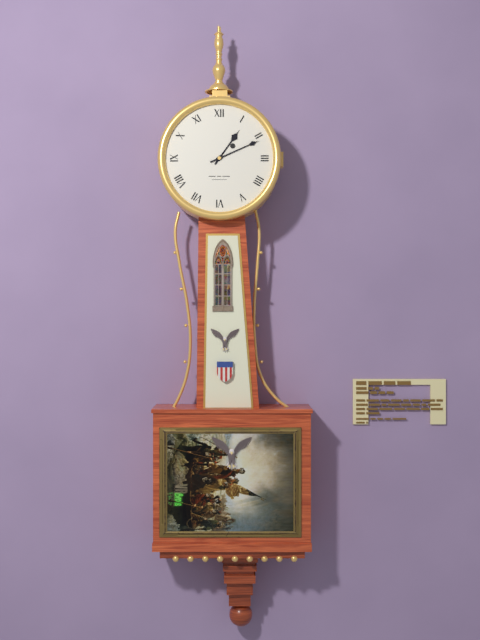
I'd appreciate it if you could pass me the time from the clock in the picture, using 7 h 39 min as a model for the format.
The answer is 1 h 11 min
